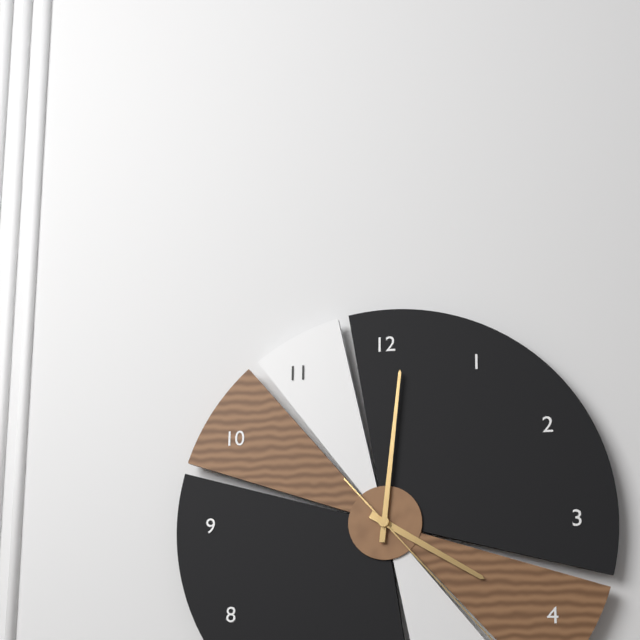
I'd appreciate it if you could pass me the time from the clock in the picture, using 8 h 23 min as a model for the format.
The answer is 4 h 01 min
